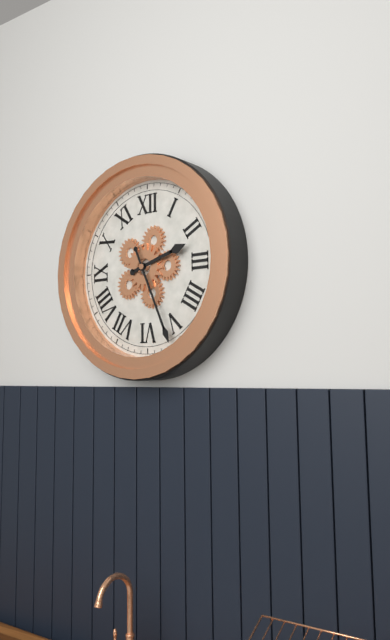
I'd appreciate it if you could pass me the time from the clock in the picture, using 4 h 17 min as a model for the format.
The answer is 2 h 26 min
